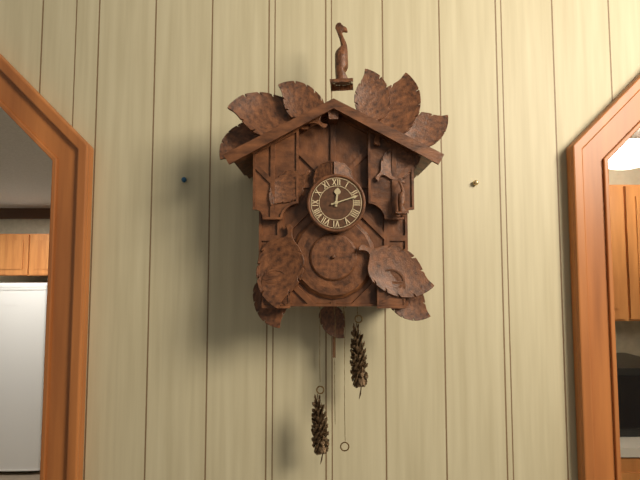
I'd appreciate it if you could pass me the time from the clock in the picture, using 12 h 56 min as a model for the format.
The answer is 12 h 12 min
